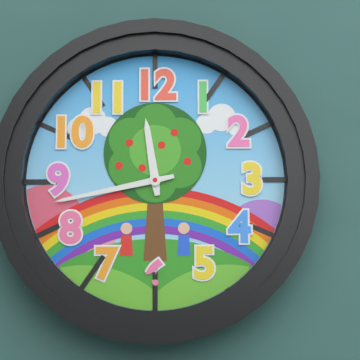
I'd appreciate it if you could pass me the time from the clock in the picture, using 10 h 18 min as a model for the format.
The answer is 11 h 43 min
